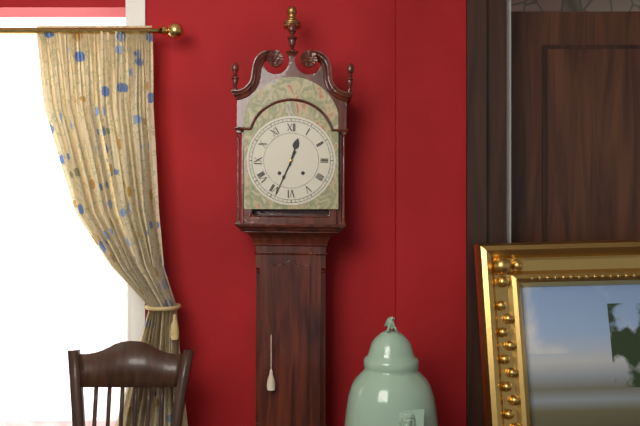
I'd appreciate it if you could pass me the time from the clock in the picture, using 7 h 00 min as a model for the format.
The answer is 12 h 34 min
